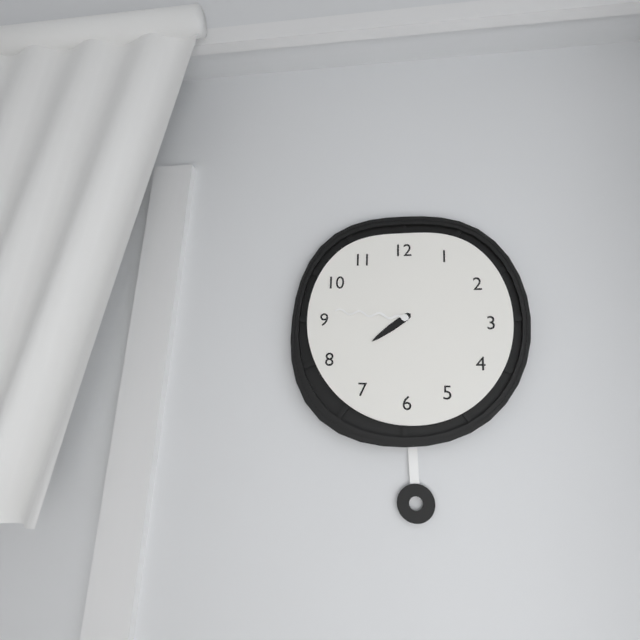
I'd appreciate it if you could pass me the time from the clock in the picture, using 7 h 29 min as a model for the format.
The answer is 7 h 46 min
